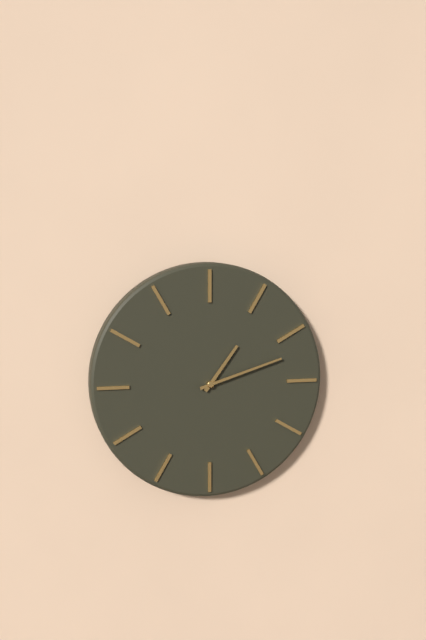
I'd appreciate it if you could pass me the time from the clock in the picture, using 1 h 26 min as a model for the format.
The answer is 1 h 12 min
